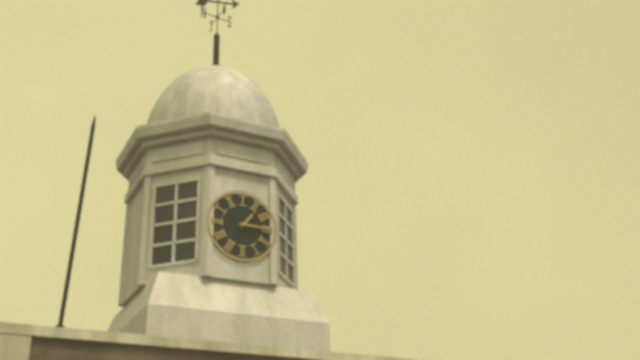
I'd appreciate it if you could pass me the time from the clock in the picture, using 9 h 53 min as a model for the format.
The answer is 1 h 15 min
